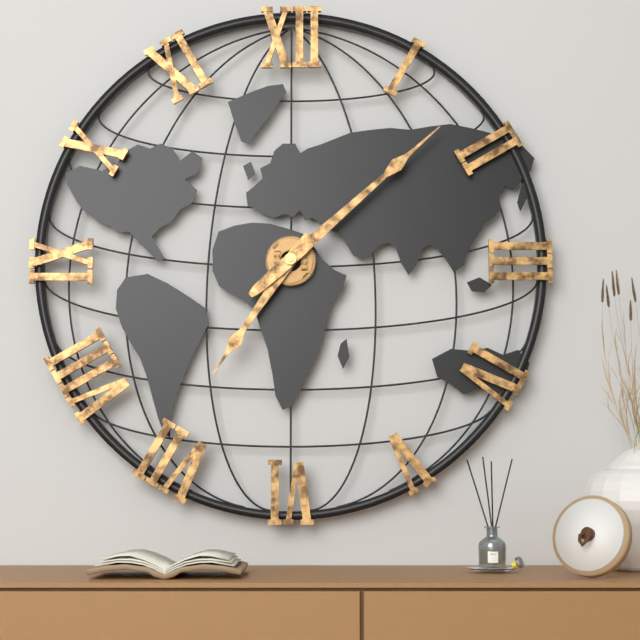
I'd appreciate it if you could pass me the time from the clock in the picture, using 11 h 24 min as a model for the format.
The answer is 7 h 08 min
